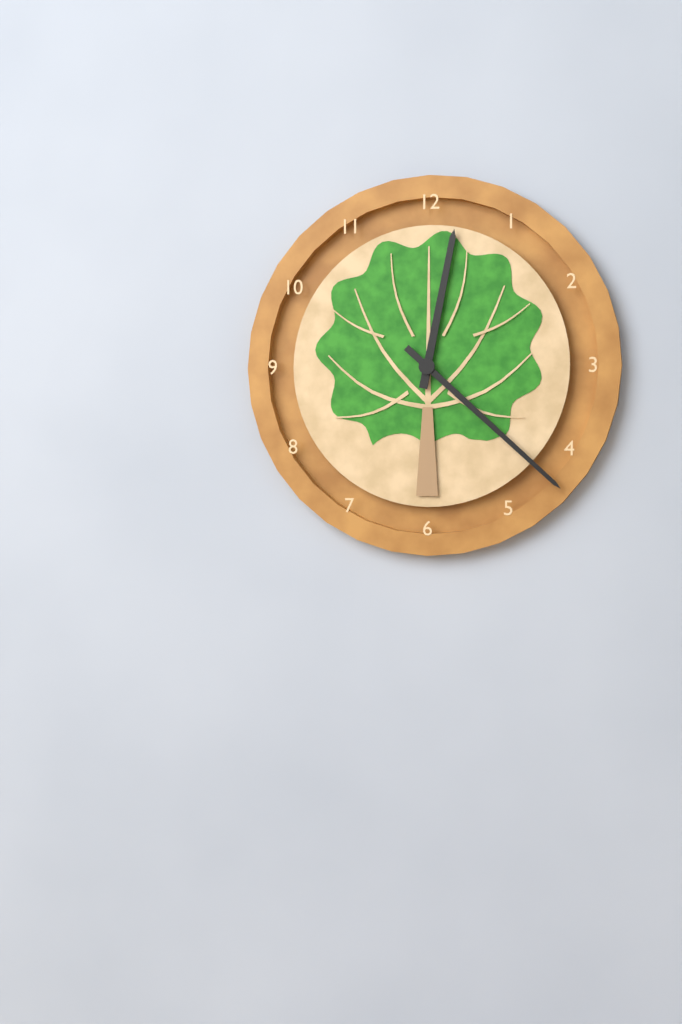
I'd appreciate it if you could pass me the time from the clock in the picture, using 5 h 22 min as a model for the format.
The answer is 12 h 22 min
